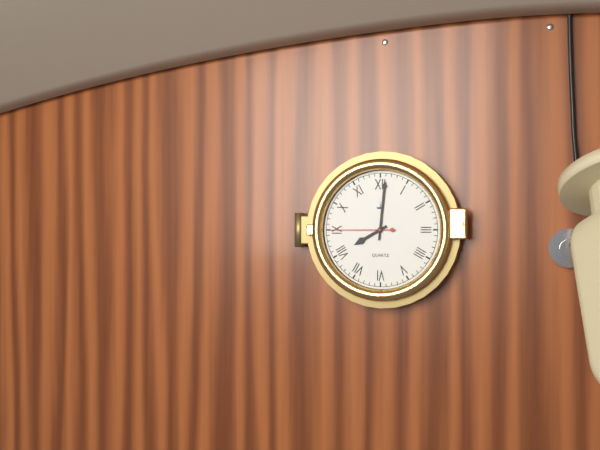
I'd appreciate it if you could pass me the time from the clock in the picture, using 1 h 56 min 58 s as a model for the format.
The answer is 8 h 01 min 45 s
